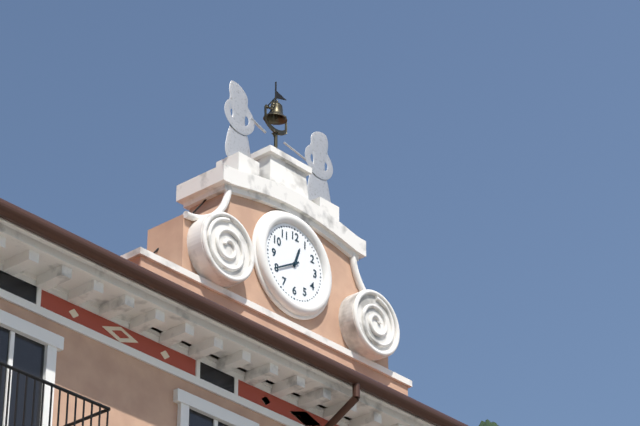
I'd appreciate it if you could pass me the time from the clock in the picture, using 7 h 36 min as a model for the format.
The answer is 12 h 40 min
